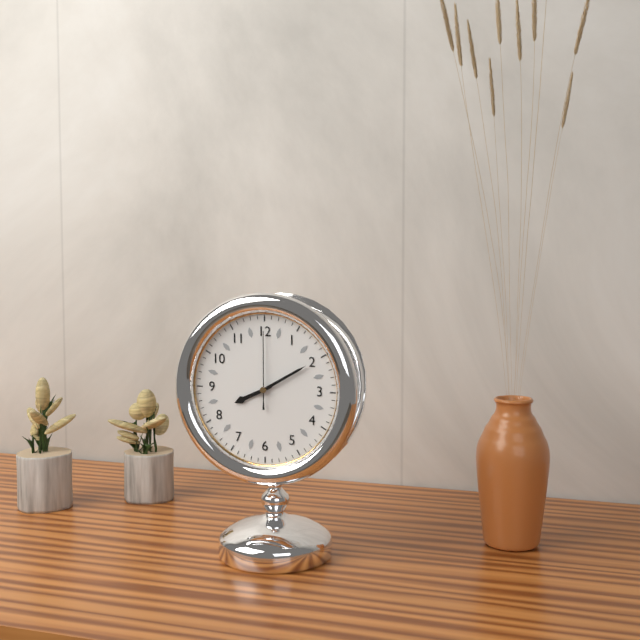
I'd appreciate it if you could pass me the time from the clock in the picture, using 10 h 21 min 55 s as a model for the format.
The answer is 8 h 10 min 00 s
